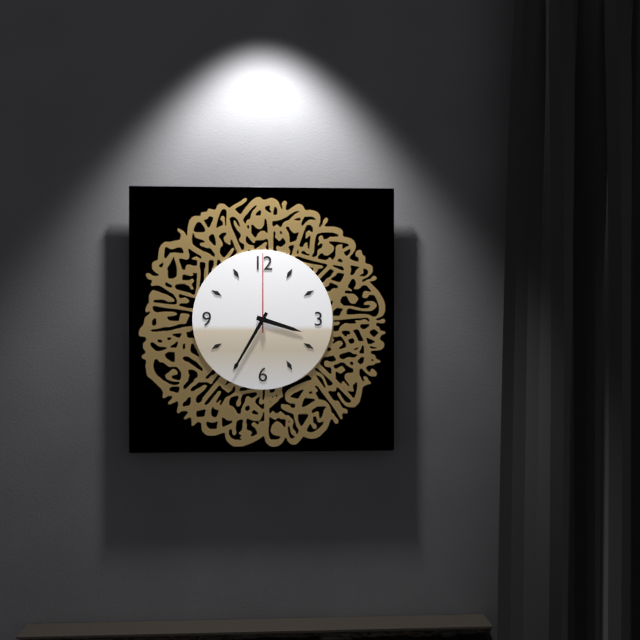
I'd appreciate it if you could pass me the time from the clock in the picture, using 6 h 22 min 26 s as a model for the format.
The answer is 3 h 35 min 00 s
